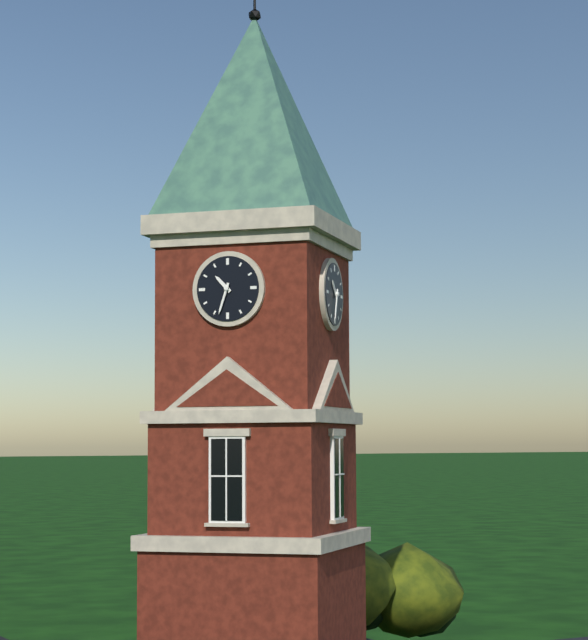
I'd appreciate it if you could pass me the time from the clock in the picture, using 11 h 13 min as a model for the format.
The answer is 10 h 33 min
